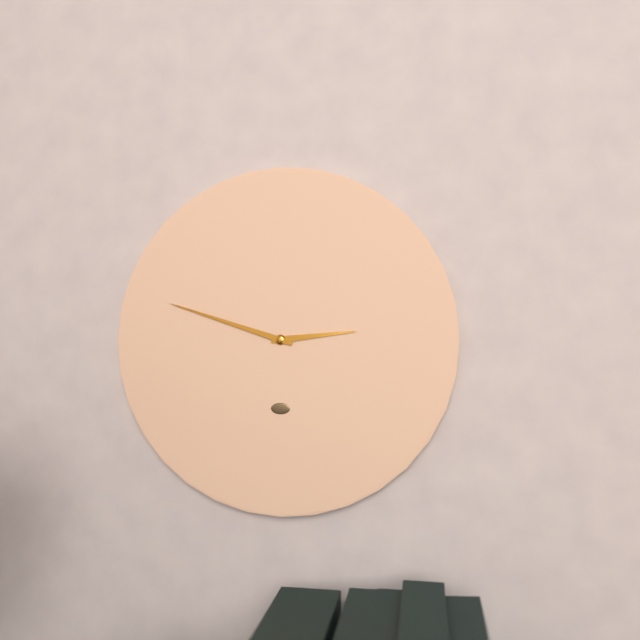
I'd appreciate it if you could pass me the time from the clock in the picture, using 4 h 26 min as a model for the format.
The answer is 2 h 48 min
